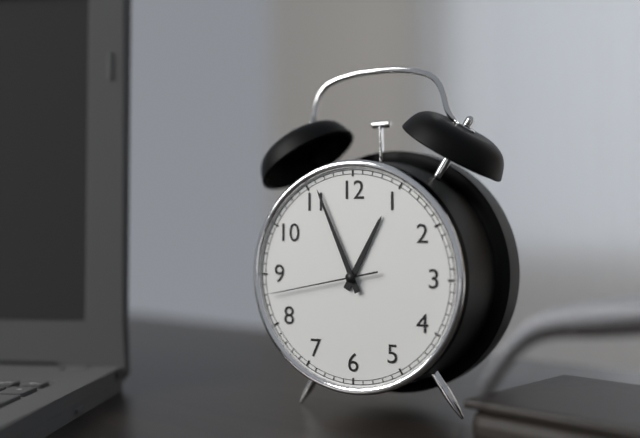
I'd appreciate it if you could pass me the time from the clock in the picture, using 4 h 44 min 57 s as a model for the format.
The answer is 12 h 56 min 43 s
